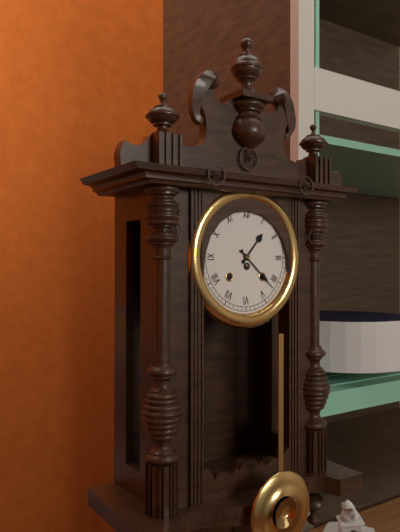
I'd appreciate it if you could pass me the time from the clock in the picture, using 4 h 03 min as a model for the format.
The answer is 1 h 22 min
